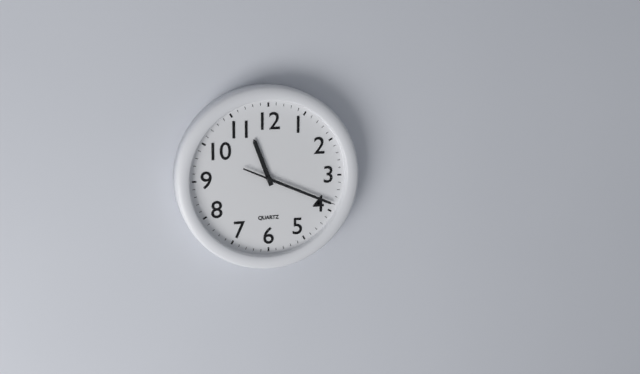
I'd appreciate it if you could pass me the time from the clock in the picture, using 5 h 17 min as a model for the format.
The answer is 11 h 19 min
